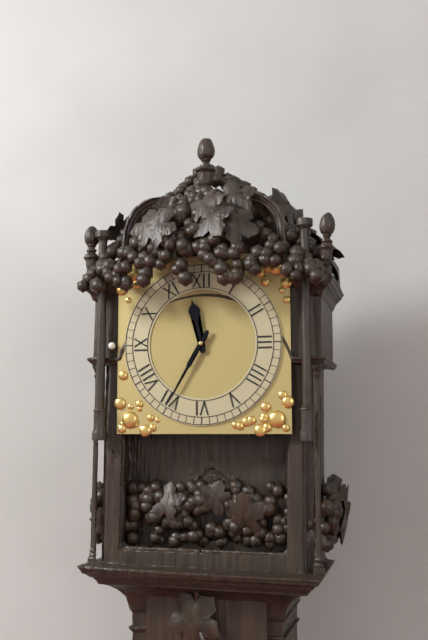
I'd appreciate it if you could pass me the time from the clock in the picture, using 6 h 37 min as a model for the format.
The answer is 11 h 35 min
